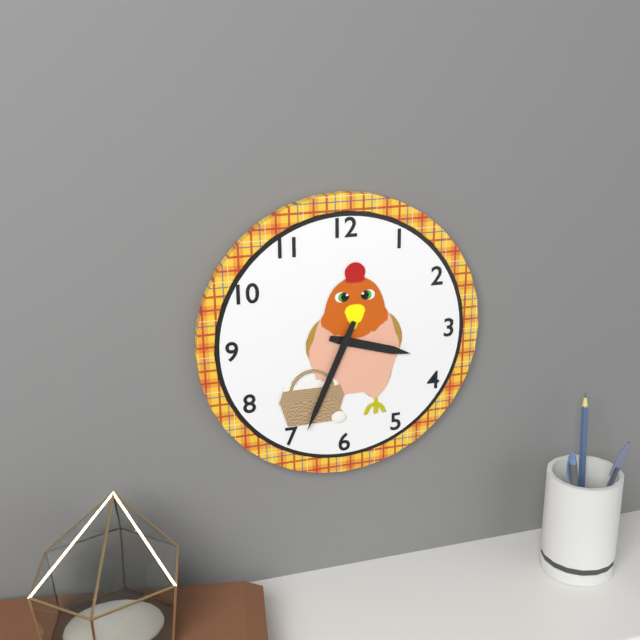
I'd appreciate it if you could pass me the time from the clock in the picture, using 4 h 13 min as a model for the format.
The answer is 3 h 34 min
